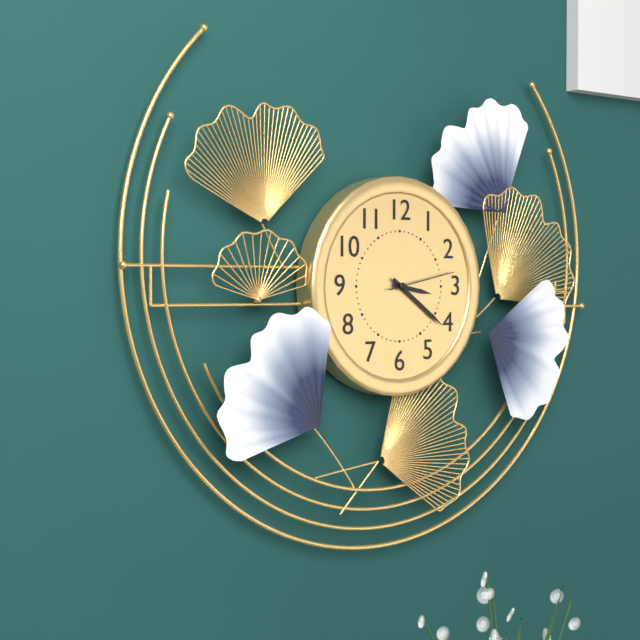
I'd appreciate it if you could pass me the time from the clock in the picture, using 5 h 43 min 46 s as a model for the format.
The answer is 3 h 21 min 13 s
